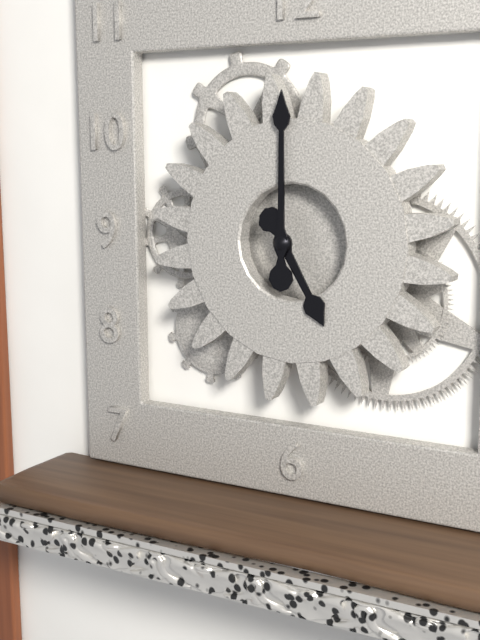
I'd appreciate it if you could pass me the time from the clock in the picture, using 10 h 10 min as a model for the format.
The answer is 5 h 00 min
